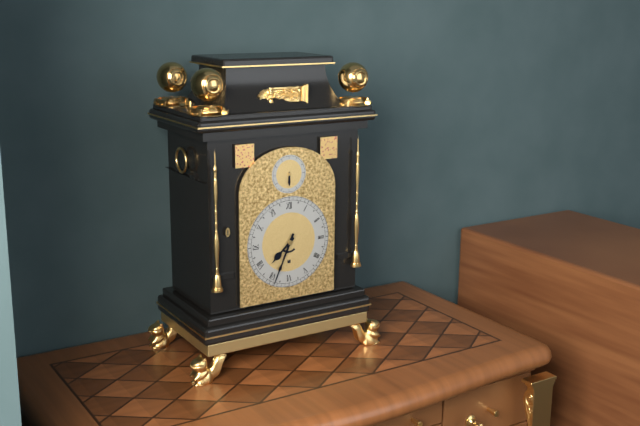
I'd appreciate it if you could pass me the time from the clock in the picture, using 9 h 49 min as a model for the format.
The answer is 7 h 34 min
